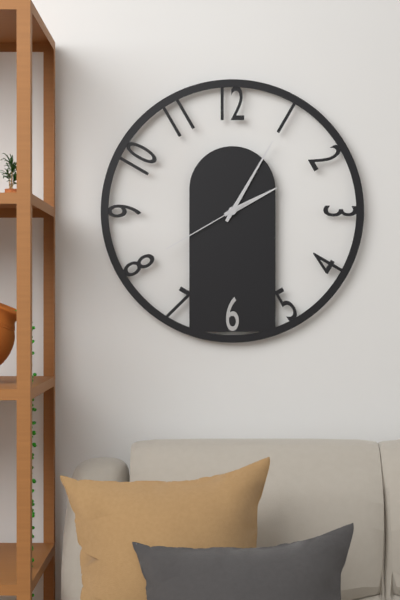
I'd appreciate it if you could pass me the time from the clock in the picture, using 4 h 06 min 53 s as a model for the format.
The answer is 2 h 05 min 40 s
